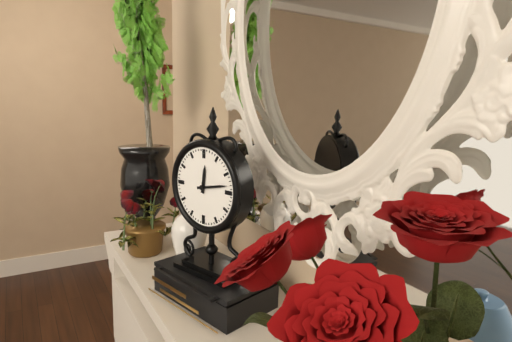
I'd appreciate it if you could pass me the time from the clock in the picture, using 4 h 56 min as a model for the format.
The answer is 12 h 13 min
